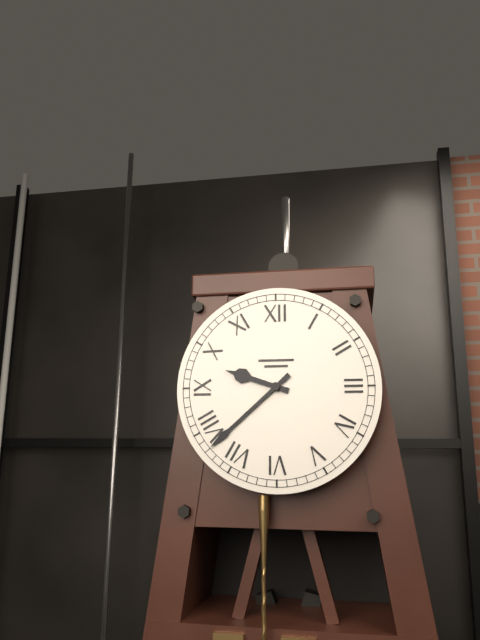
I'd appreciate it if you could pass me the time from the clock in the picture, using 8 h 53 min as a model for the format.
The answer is 9 h 38 min
